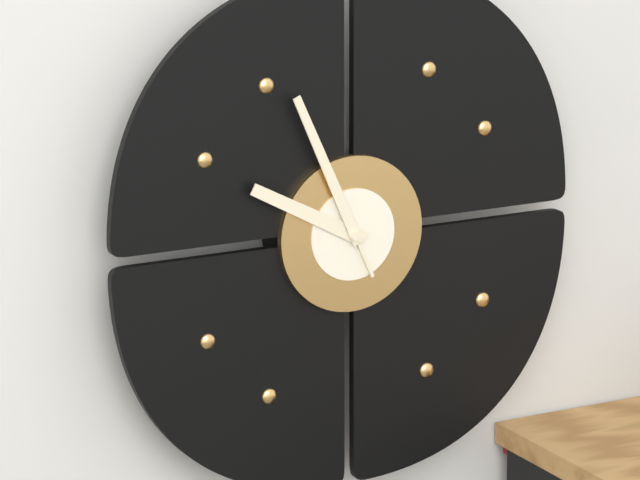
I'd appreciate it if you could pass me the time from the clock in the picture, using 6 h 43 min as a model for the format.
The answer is 9 h 56 min
